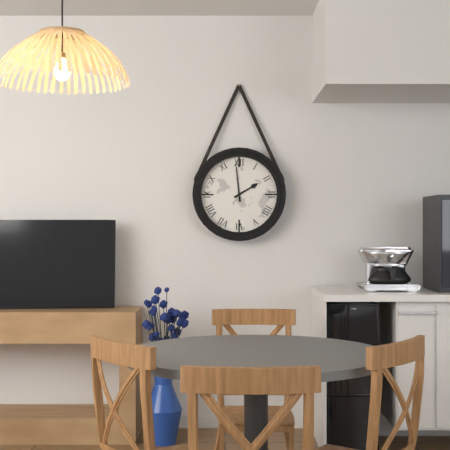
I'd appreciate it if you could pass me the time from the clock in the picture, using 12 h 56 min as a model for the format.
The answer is 1 h 59 min
